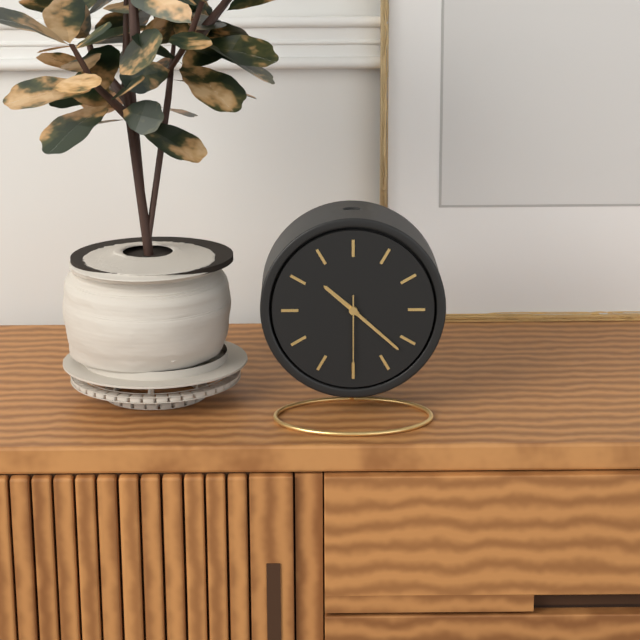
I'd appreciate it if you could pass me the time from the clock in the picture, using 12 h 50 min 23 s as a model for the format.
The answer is 10 h 22 min 30 s
